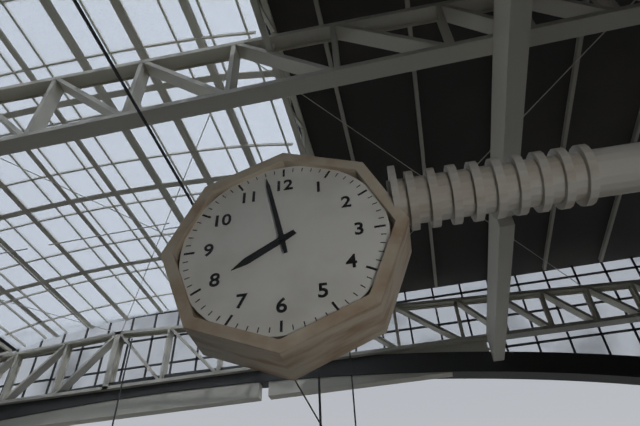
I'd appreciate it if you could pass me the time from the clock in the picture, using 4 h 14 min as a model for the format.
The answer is 7 h 58 min
